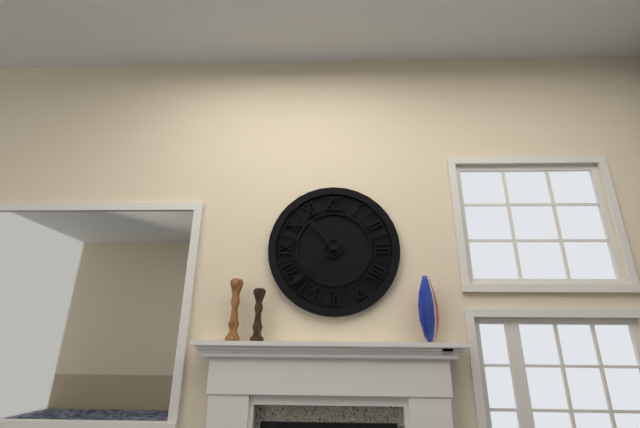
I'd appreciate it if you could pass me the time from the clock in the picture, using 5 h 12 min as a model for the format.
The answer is 10 h 38 min
